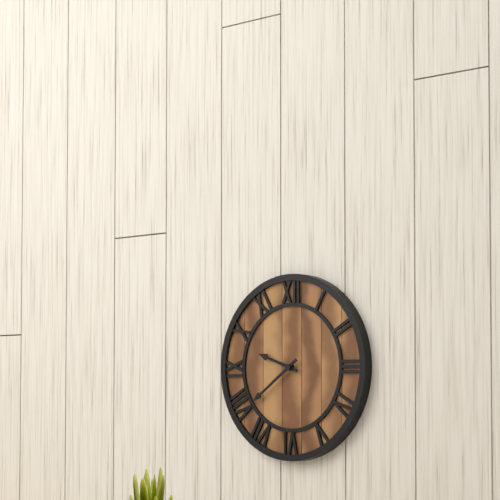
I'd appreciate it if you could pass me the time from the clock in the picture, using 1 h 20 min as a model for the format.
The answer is 9 h 39 min
